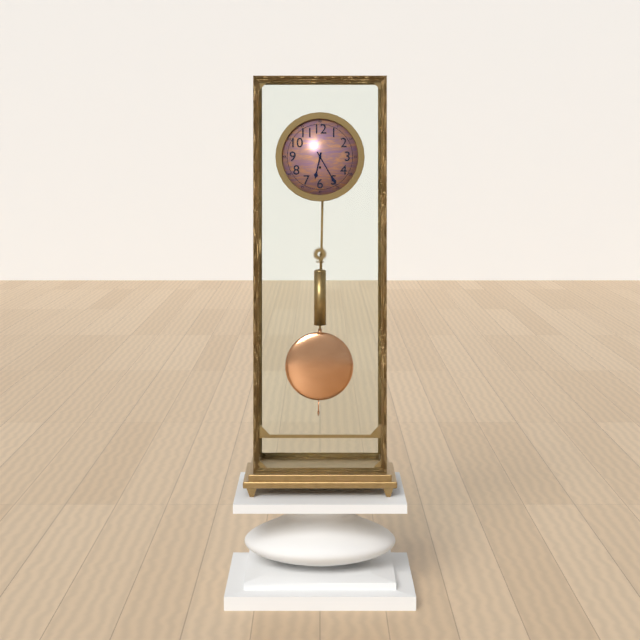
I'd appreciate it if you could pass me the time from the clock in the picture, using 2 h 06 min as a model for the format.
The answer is 6 h 25 min
